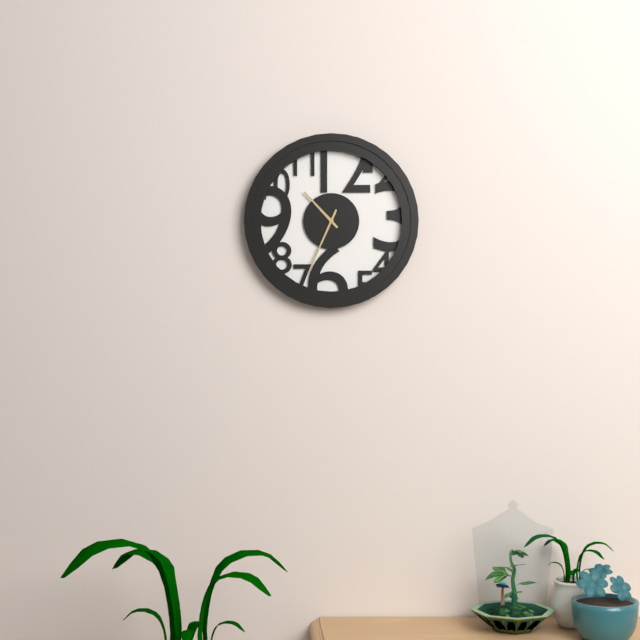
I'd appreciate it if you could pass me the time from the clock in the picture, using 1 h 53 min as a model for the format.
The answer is 10 h 34 min
